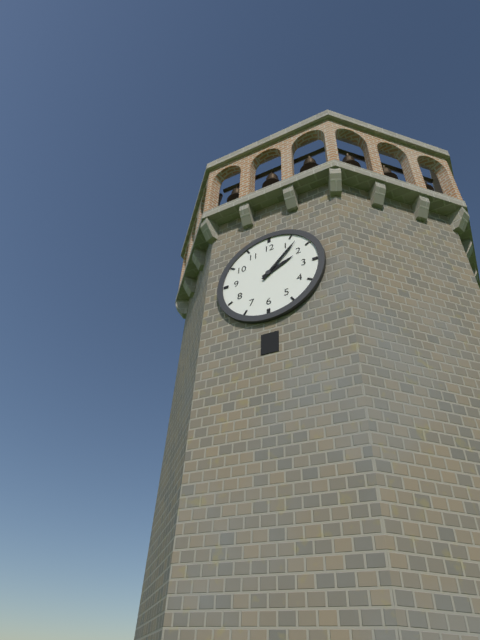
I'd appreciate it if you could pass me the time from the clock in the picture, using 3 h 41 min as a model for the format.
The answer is 2 h 07 min
